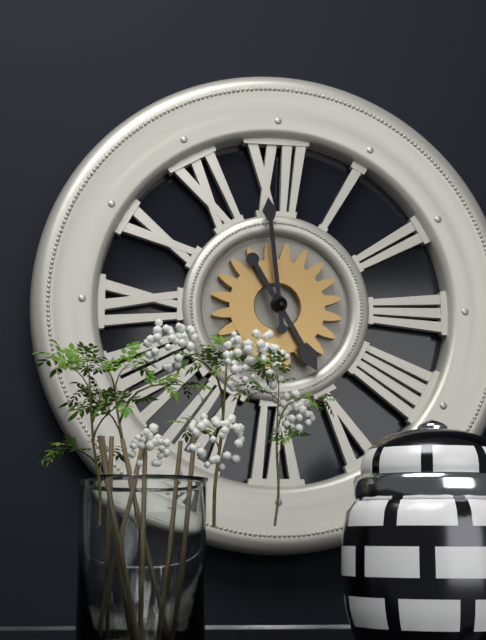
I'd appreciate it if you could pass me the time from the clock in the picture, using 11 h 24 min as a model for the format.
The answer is 4 h 59 min
